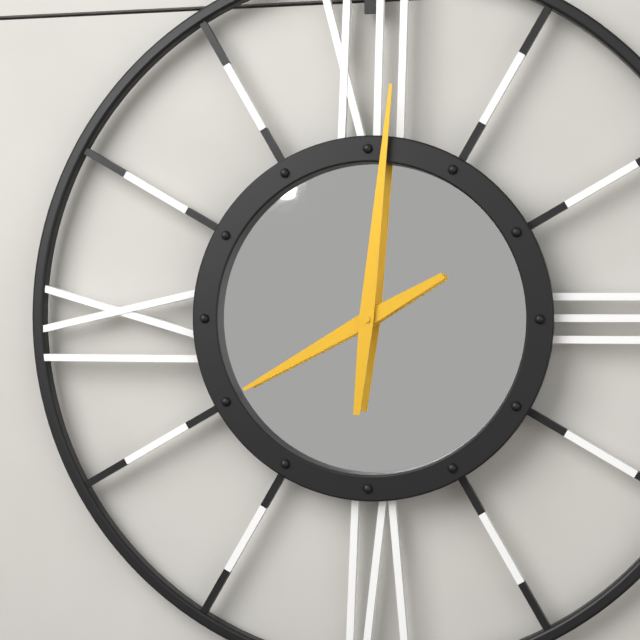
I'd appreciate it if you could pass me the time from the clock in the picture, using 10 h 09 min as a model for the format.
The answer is 8 h 01 min
